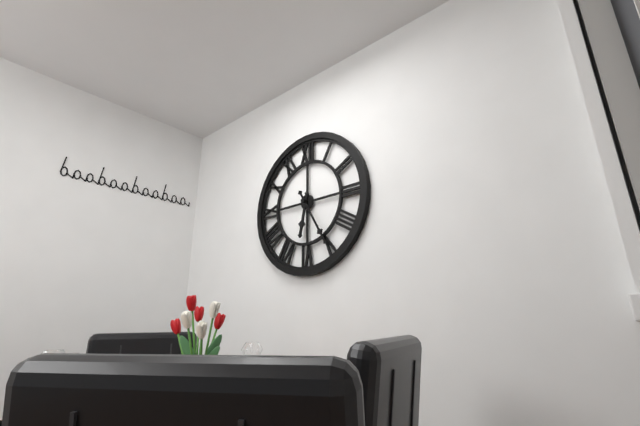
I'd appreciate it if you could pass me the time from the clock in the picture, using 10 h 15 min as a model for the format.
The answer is 6 h 25 min
